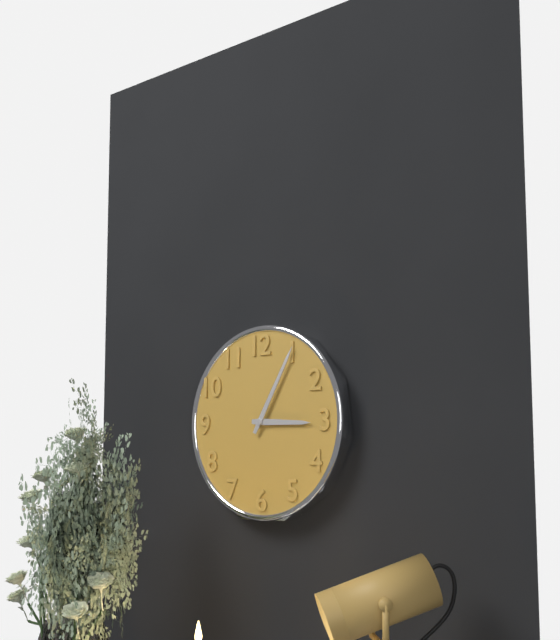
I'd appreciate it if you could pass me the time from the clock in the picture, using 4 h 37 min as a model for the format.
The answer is 3 h 05 min
